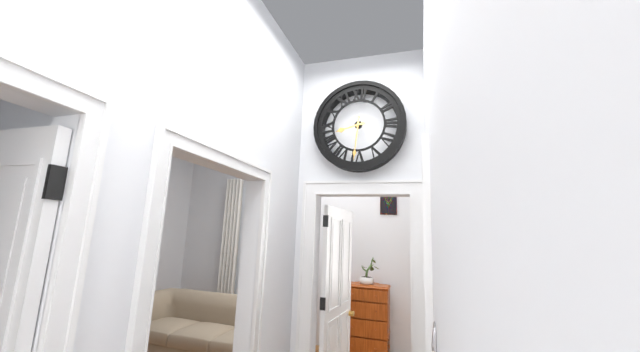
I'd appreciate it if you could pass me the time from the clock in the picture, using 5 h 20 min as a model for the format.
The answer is 8 h 31 min
